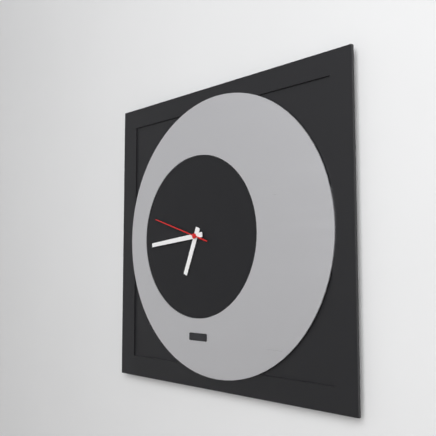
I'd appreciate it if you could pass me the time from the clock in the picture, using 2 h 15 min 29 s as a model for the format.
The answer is 6 h 44 min 48 s
